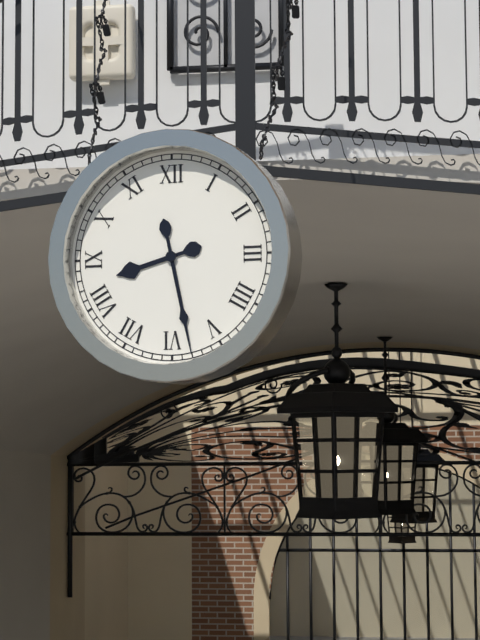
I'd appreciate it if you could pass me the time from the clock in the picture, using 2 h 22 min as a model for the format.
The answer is 8 h 28 min
